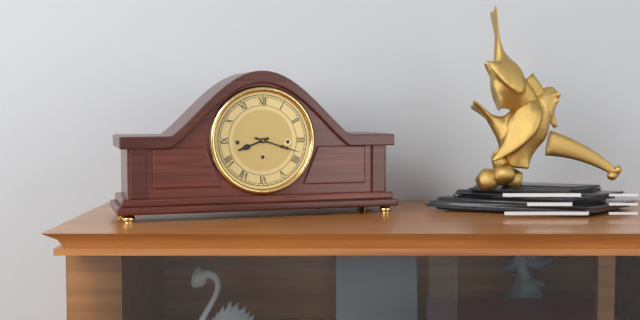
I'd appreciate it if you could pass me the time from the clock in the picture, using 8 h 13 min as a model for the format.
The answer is 8 h 18 min
